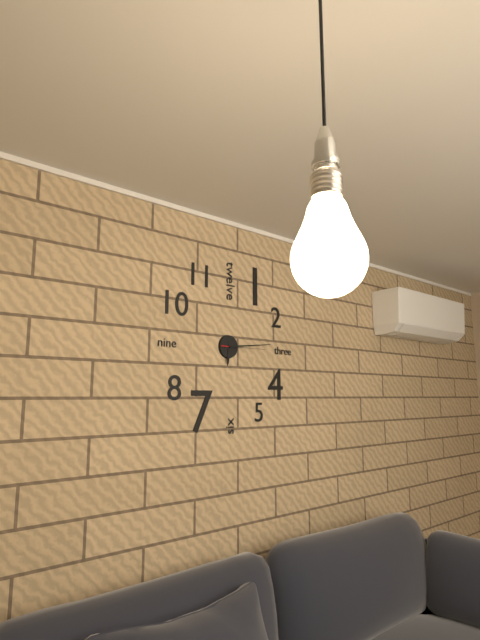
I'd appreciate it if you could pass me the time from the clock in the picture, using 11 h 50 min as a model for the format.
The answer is 6 h 14 min
